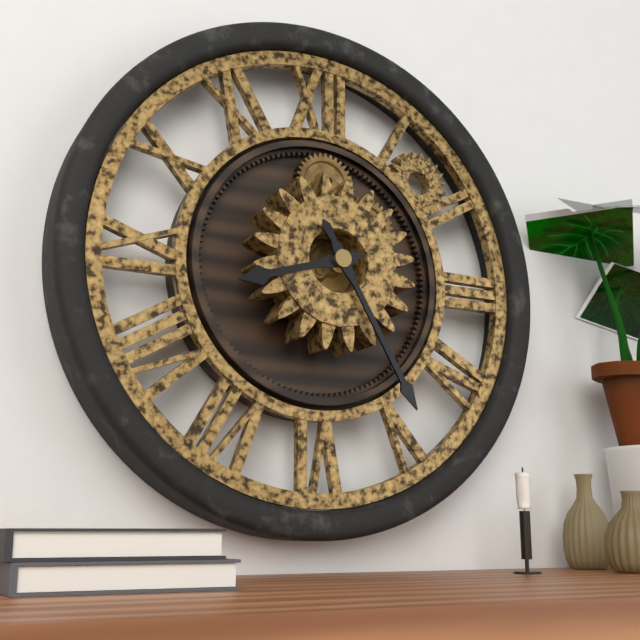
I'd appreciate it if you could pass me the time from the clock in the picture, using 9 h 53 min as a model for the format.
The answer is 8 h 25 min
